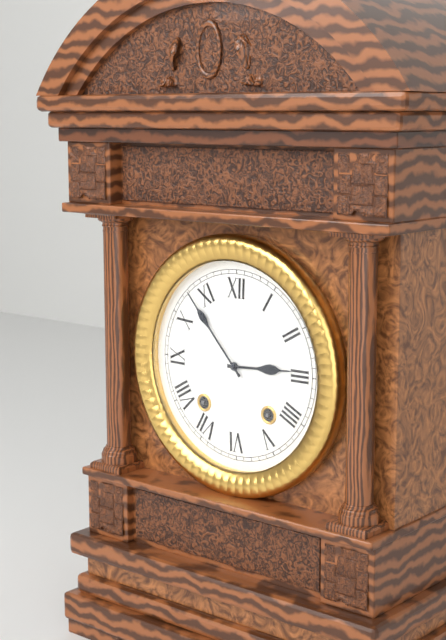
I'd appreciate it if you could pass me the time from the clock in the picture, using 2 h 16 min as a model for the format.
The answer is 2 h 53 min
